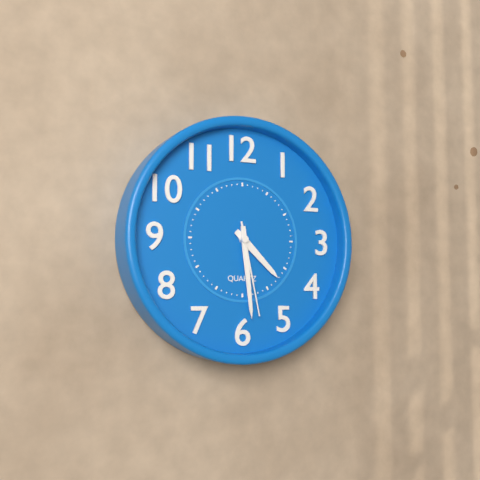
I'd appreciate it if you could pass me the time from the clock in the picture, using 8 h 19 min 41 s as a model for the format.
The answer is 4 h 29 min 28 s
